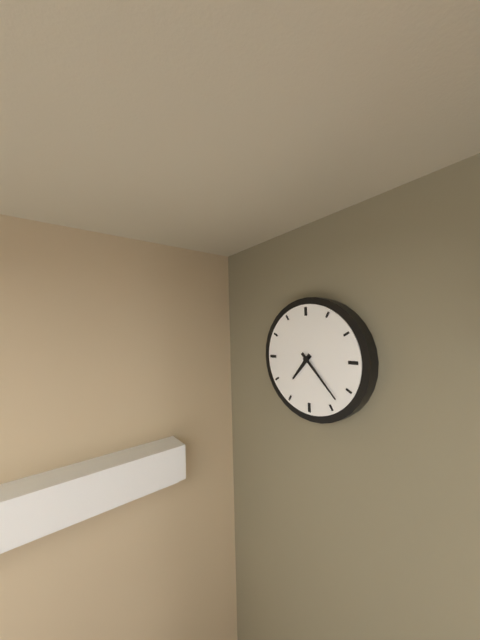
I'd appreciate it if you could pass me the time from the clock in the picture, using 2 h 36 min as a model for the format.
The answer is 7 h 23 min
